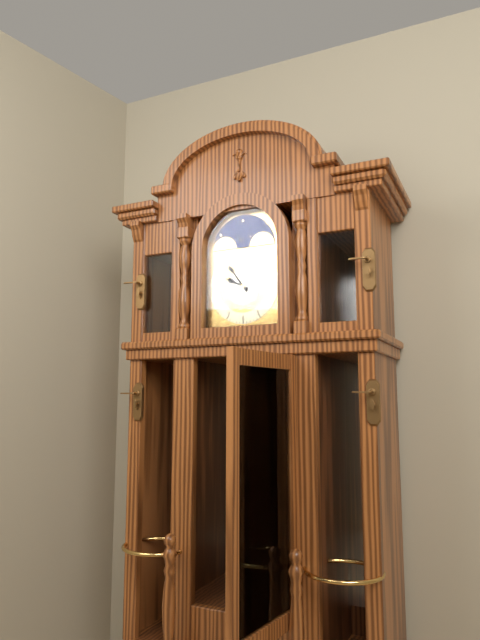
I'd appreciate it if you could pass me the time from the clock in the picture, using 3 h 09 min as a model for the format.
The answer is 9 h 54 min
